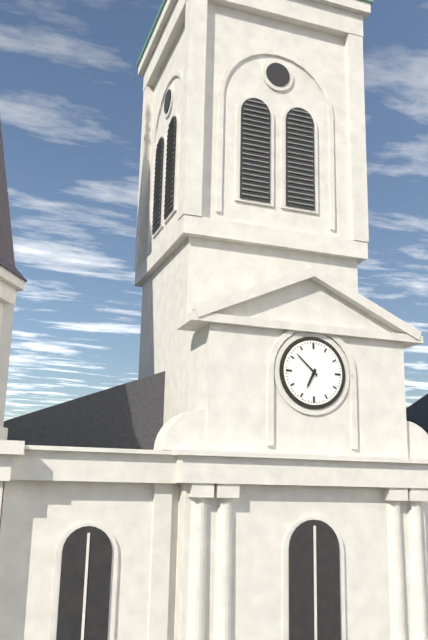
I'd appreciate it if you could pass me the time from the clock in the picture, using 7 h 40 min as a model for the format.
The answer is 6 h 52 min
